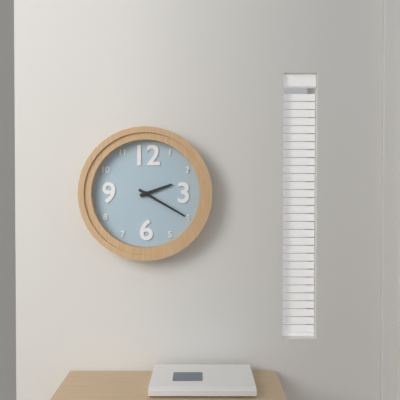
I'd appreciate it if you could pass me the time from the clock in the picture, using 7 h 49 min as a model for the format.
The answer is 2 h 20 min
